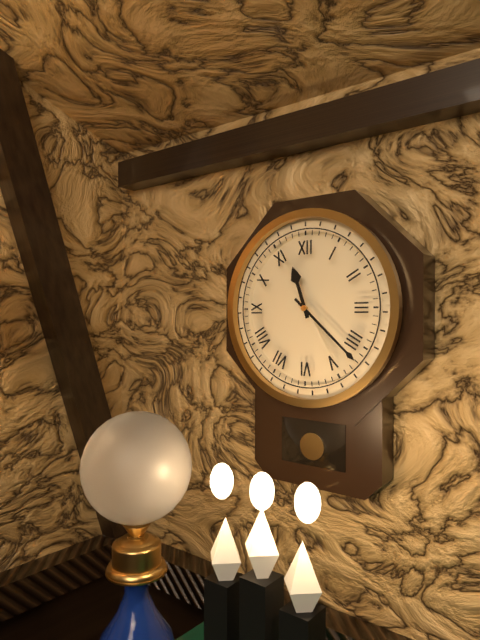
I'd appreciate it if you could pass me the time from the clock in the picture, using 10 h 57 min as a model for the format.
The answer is 11 h 22 min
